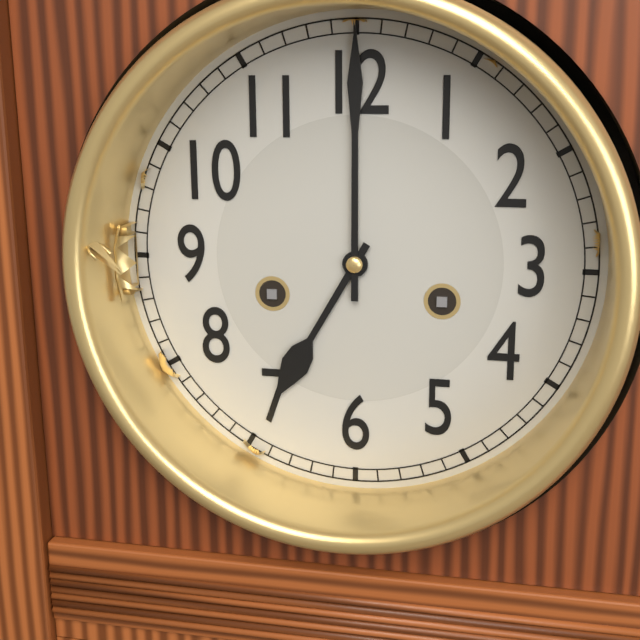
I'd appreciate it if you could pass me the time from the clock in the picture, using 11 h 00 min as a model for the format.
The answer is 7 h 00 min
